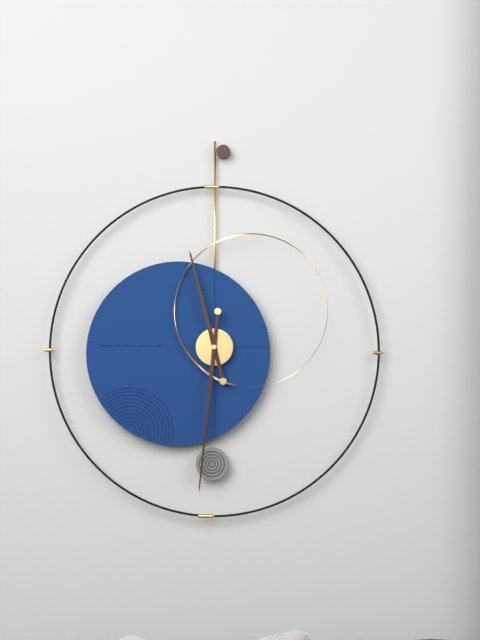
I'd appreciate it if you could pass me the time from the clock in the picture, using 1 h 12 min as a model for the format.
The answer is 11 h 31 min
